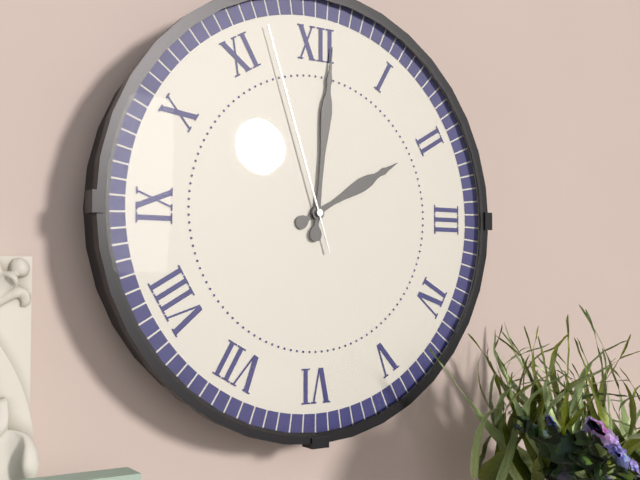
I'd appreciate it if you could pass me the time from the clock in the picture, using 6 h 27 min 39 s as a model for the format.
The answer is 2 h 01 min 57 s
